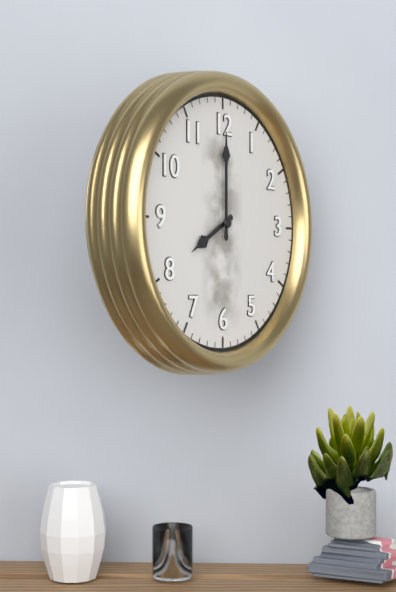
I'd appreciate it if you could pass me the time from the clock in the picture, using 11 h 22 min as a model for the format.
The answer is 8 h 00 min
